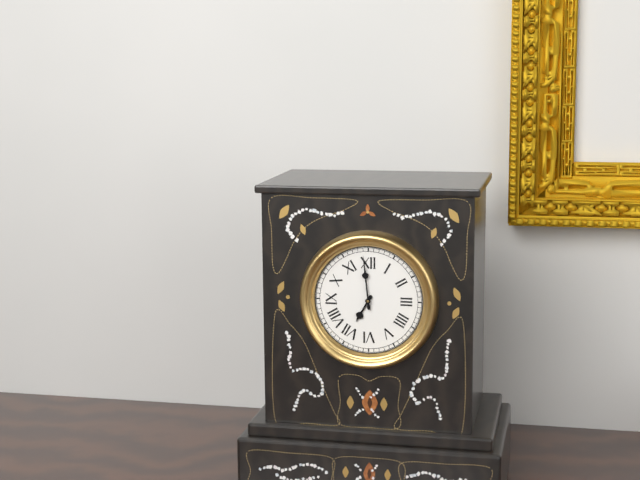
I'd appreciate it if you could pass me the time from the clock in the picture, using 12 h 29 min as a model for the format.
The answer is 6 h 59 min
